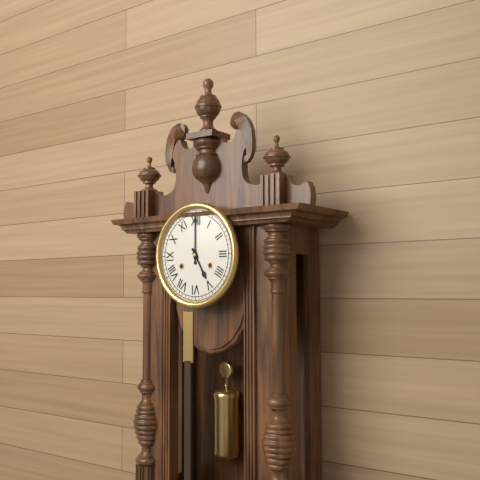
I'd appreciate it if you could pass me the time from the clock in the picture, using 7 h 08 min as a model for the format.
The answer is 5 h 00 min
